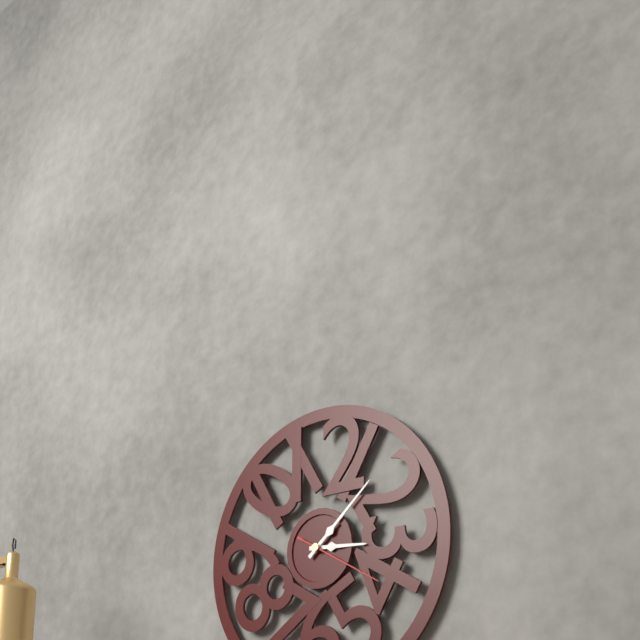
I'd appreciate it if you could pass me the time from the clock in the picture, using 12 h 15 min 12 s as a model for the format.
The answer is 3 h 08 min 20 s
